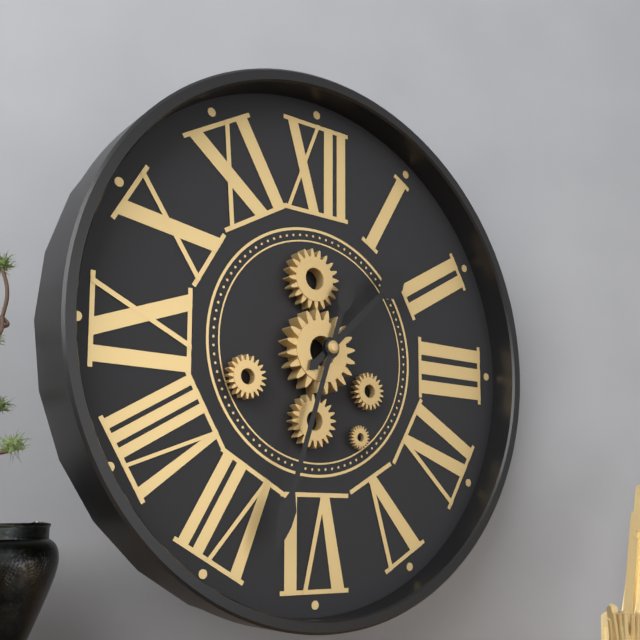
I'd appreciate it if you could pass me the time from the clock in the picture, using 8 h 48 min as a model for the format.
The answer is 1 h 33 min
